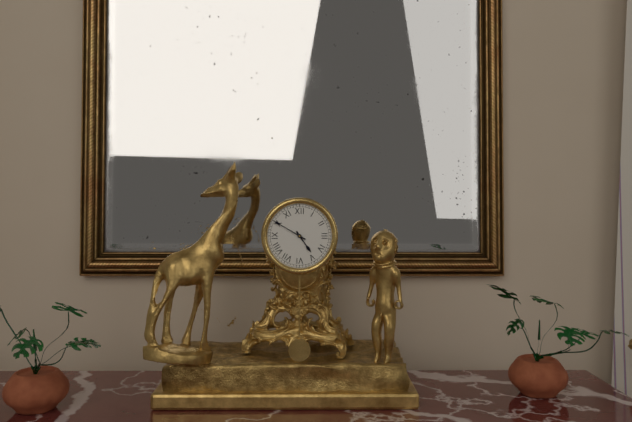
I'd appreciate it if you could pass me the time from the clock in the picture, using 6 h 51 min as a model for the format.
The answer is 4 h 50 min
